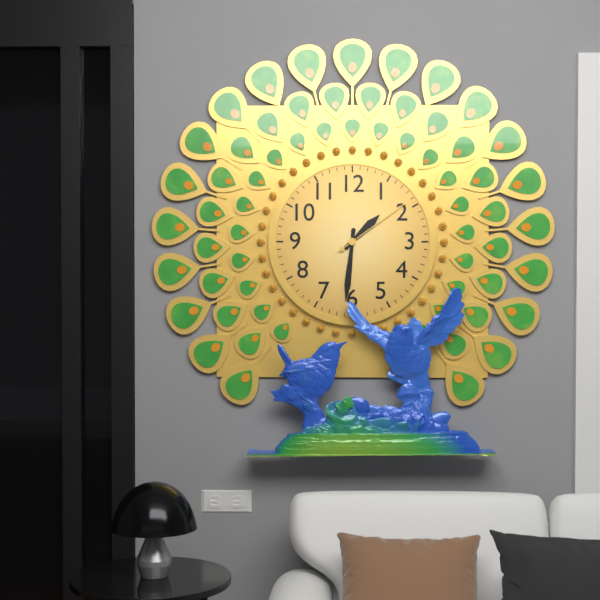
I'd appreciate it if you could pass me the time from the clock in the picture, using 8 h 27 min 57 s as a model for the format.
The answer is 1 h 31 min 09 s
